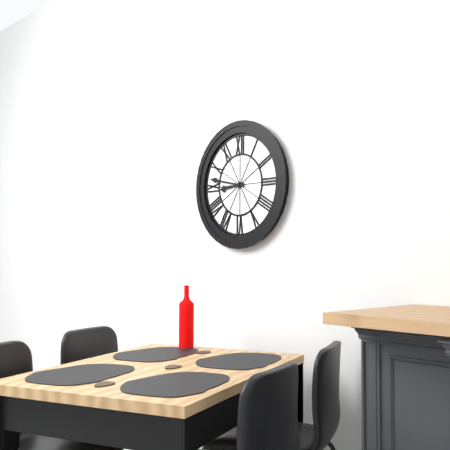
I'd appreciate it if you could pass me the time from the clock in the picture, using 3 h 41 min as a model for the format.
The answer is 8 h 47 min
